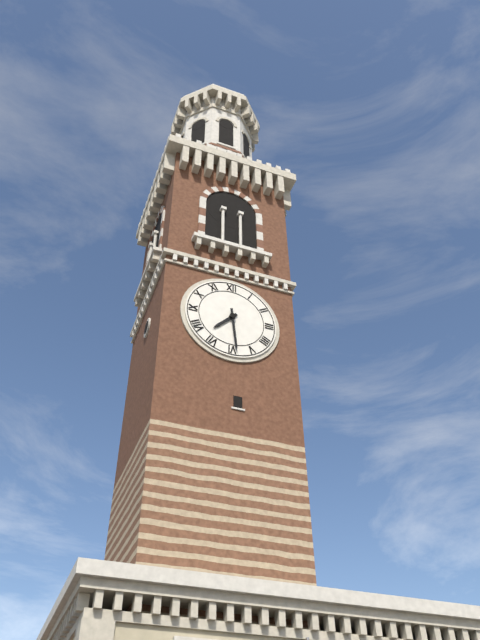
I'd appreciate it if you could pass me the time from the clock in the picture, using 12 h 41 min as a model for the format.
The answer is 7 h 29 min
